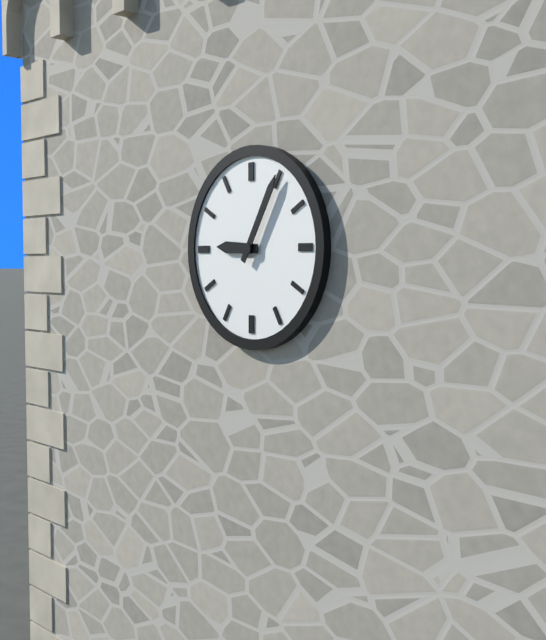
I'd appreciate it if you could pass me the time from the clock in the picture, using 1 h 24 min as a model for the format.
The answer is 9 h 05 min
